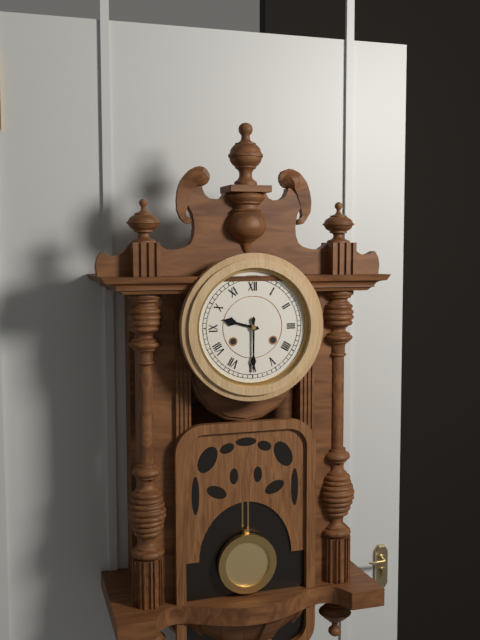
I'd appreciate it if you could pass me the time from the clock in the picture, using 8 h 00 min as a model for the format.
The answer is 9 h 30 min
